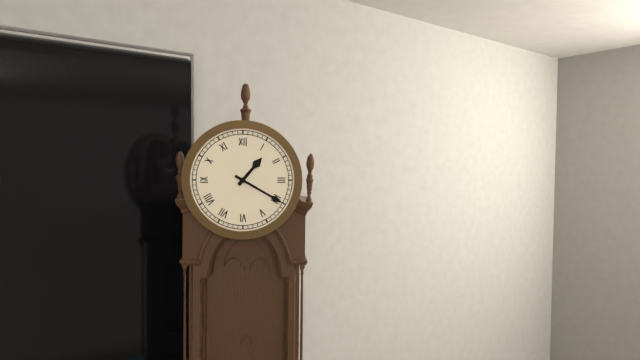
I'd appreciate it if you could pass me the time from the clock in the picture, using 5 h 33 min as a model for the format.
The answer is 1 h 20 min
